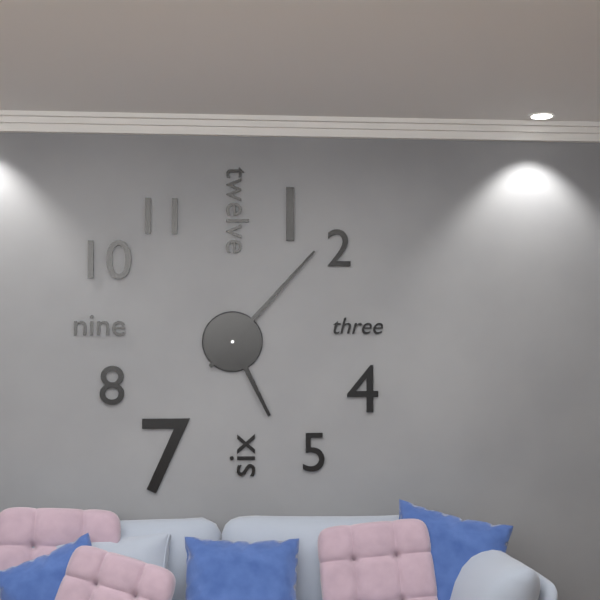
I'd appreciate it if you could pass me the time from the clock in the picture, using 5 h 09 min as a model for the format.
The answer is 5 h 07 min
